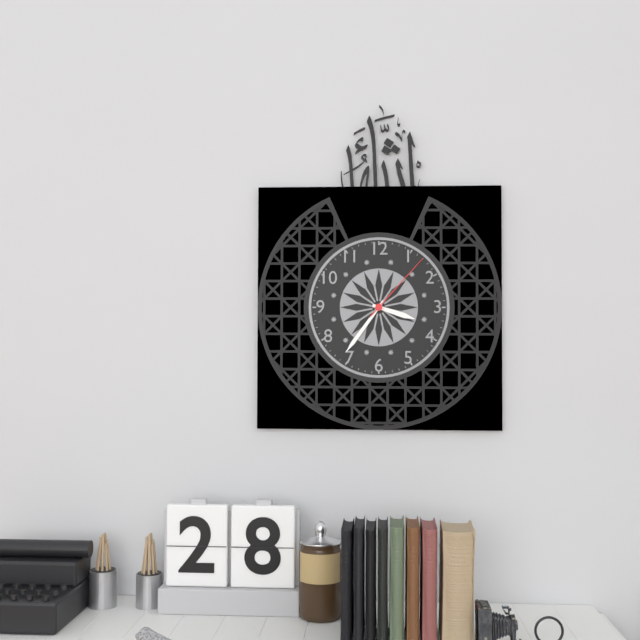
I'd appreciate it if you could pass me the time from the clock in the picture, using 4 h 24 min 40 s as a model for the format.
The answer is 3 h 36 min 07 s
